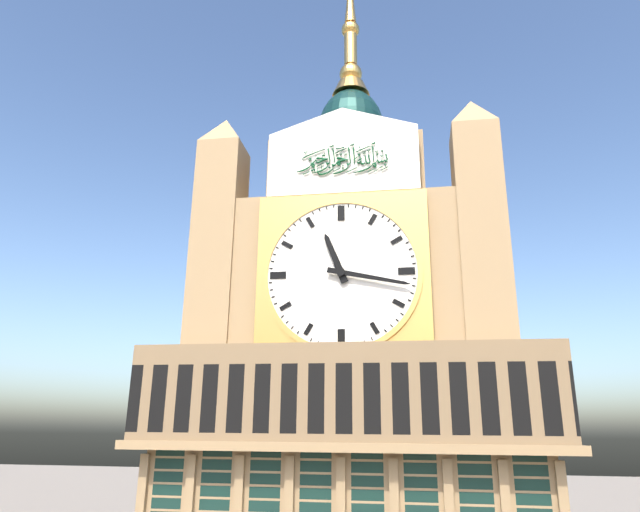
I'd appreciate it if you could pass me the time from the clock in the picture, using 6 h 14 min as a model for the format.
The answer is 11 h 17 min
